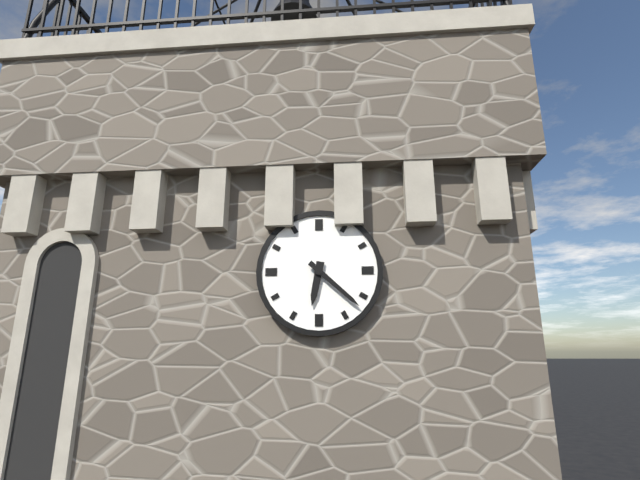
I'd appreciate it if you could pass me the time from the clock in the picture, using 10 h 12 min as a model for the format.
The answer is 6 h 22 min
